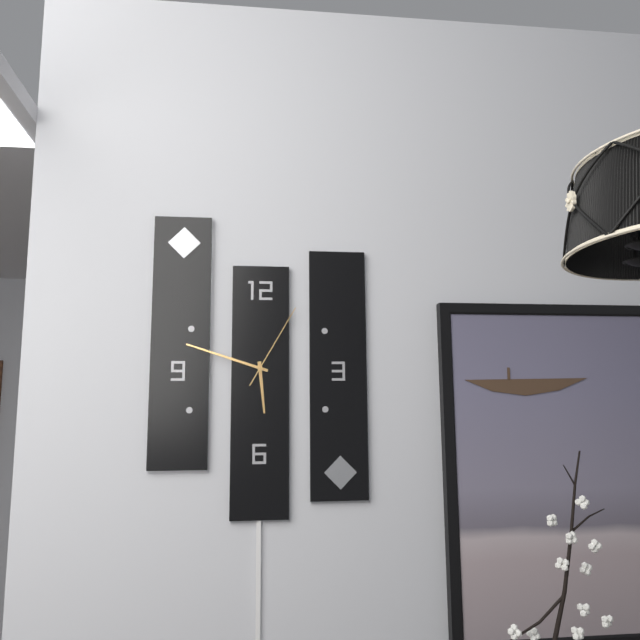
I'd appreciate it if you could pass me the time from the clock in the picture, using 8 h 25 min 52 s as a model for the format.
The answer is 5 h 48 min 05 s
